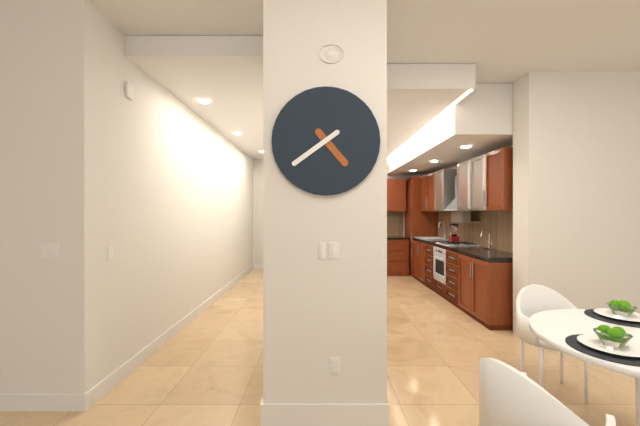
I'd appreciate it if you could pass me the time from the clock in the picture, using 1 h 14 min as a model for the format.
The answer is 4 h 39 min
